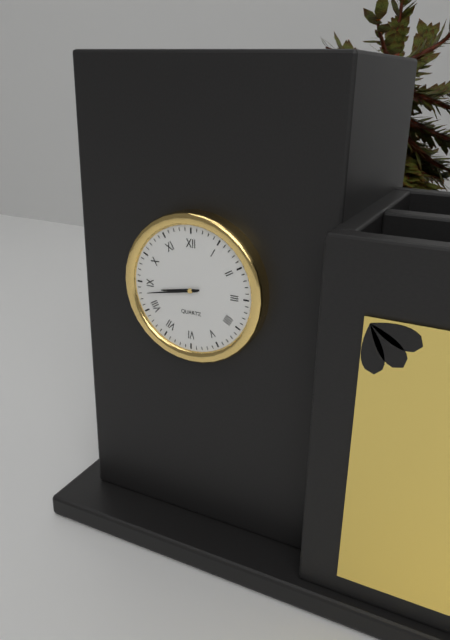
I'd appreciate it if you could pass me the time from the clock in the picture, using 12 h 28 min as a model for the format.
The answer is 8 h 43 min
